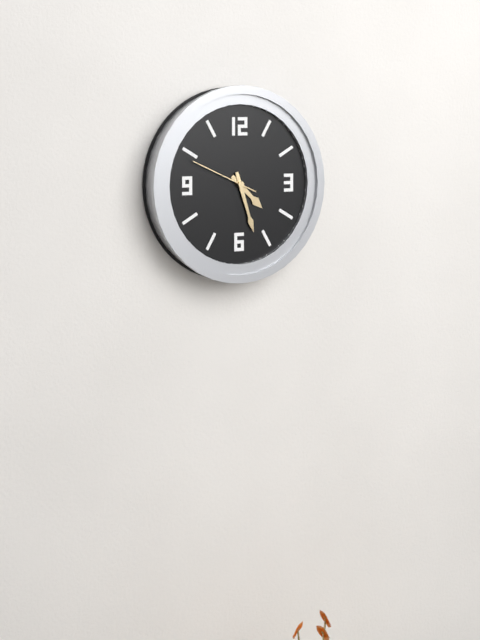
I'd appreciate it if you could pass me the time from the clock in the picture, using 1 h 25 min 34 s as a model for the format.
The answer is 4 h 27 min 49 s
